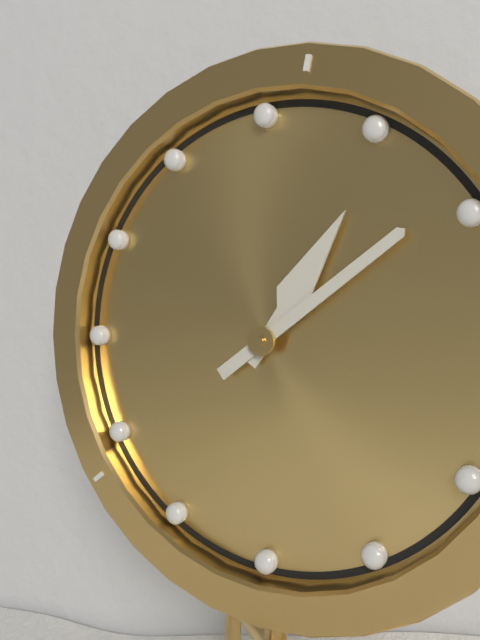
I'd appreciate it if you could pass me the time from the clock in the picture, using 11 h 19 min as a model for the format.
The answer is 1 h 09 min
